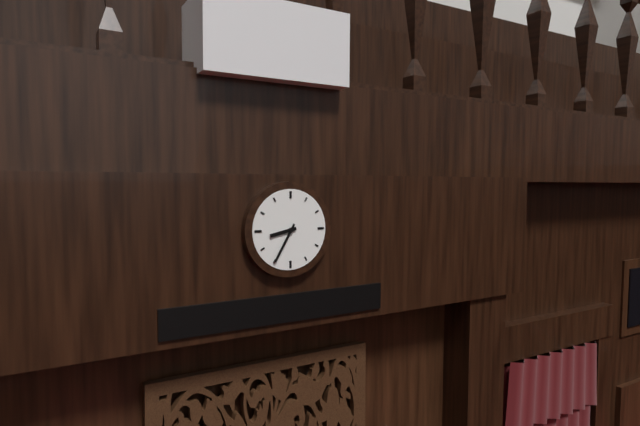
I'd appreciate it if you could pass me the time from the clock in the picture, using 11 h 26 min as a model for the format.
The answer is 8 h 35 min
